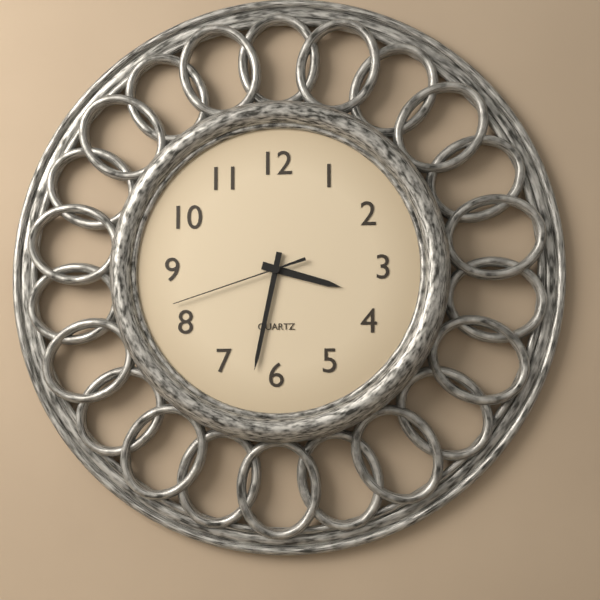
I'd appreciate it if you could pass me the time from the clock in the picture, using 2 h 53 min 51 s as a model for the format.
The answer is 3 h 32 min 42 s
